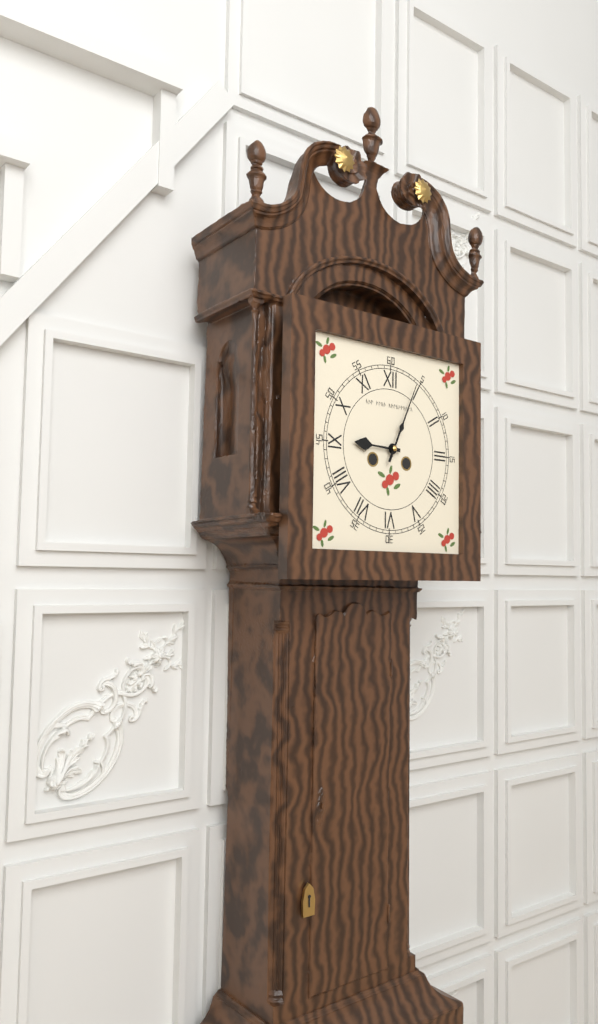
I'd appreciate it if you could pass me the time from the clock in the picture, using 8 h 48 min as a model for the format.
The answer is 9 h 04 min
